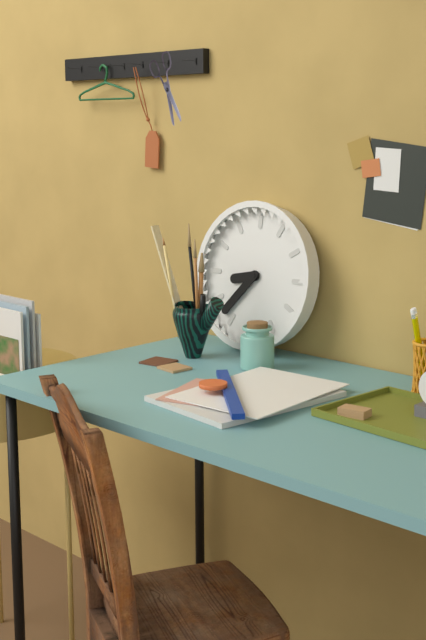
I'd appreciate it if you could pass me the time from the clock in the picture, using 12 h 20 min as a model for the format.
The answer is 8 h 37 min
